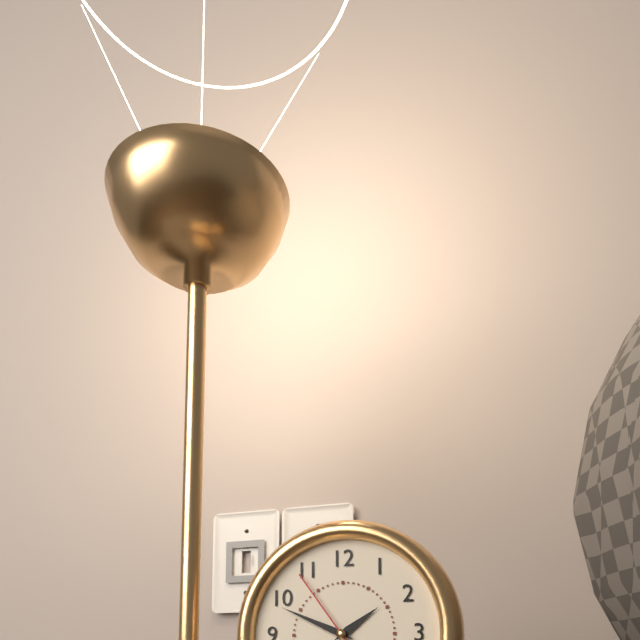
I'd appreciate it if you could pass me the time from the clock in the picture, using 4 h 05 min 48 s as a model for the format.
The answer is 1 h 49 min 54 s
